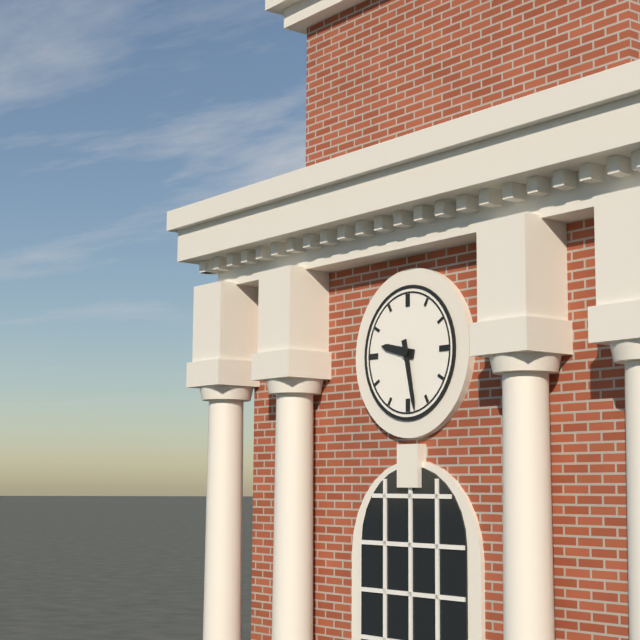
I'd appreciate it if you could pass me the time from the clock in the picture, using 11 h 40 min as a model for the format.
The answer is 9 h 28 min
